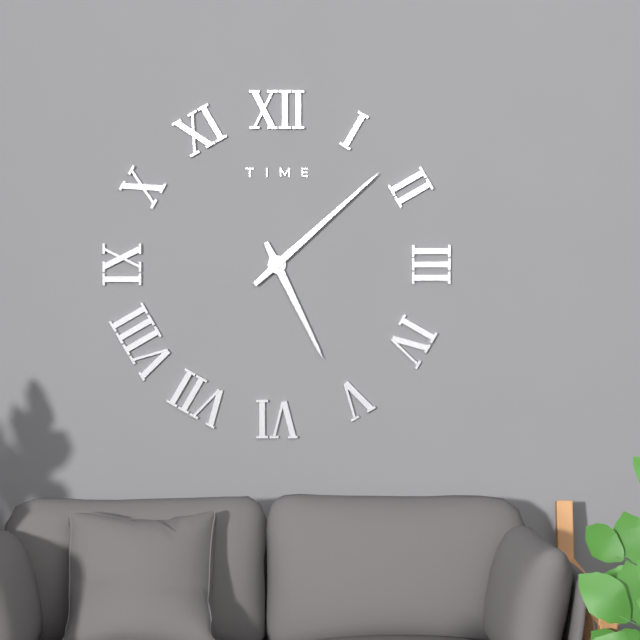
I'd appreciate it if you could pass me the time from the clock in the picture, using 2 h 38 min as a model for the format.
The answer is 5 h 08 min
